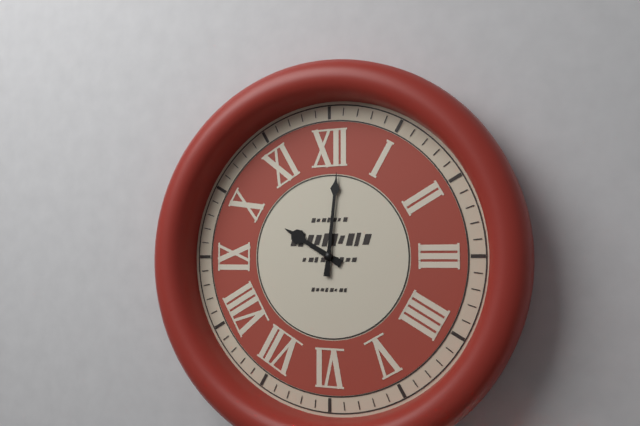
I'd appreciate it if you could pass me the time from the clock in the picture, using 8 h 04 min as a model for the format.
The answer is 10 h 01 min
